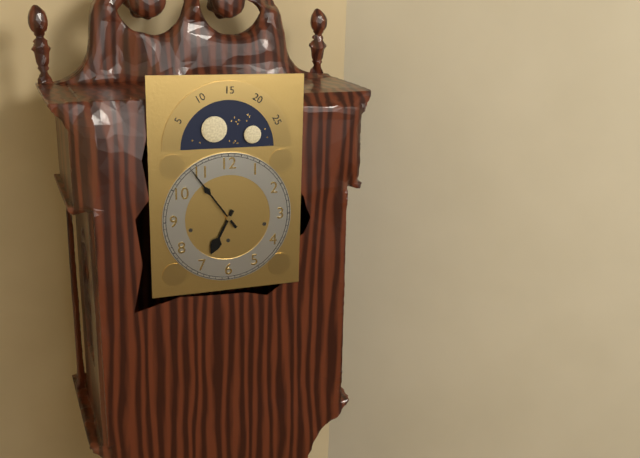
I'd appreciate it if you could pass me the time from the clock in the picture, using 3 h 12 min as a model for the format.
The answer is 6 h 54 min
